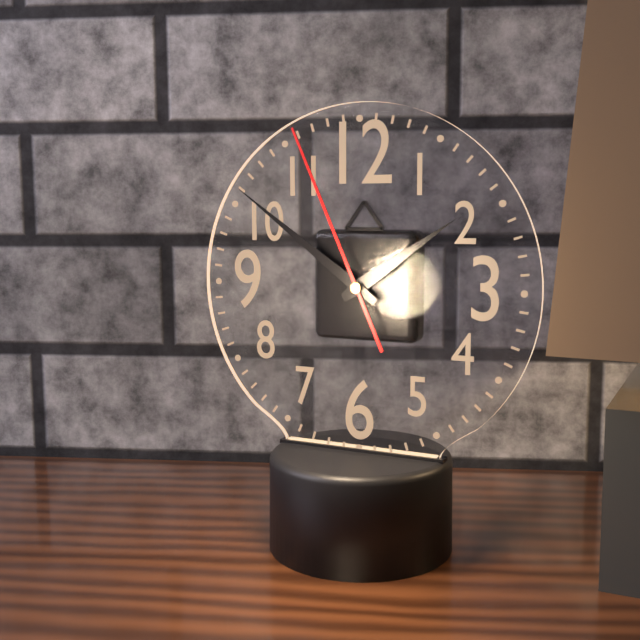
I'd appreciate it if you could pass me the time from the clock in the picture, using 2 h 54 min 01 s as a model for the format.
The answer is 1 h 51 min 56 s
